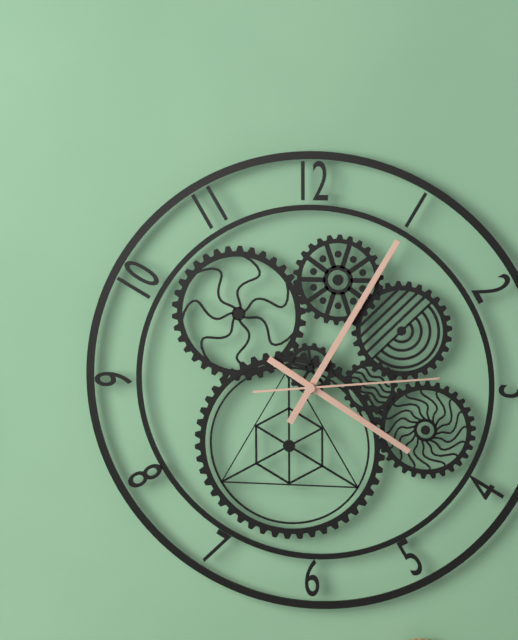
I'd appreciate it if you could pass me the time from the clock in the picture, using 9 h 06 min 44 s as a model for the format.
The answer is 4 h 05 min 14 s
